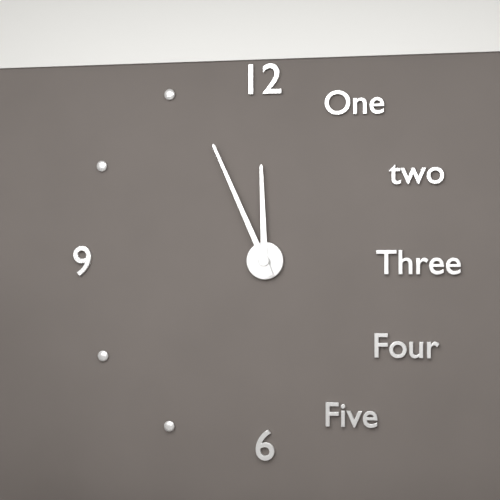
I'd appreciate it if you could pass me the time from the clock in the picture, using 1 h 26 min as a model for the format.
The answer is 11 h 56 min
